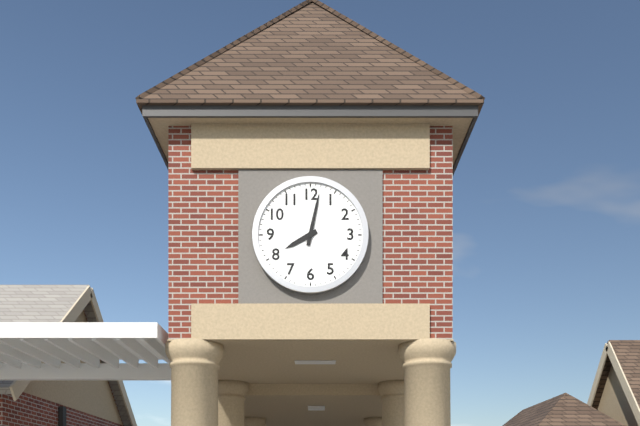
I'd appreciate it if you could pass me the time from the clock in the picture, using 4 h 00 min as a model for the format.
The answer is 8 h 02 min
